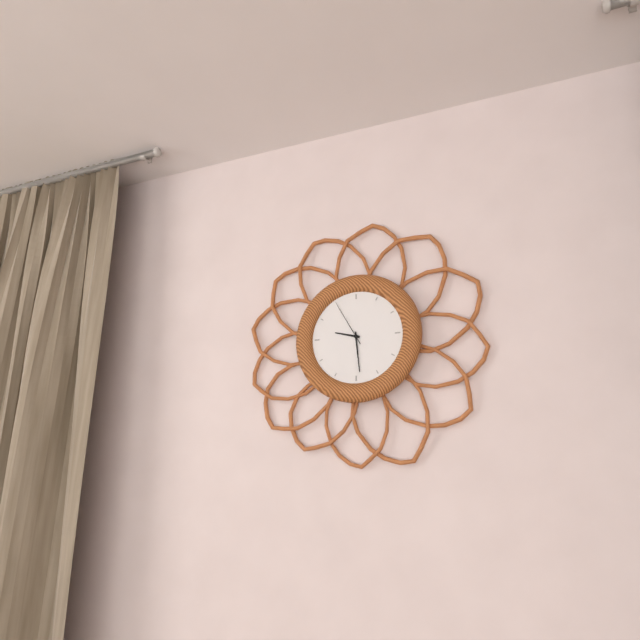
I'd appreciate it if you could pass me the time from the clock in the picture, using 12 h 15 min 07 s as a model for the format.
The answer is 9 h 29 min 55 s
